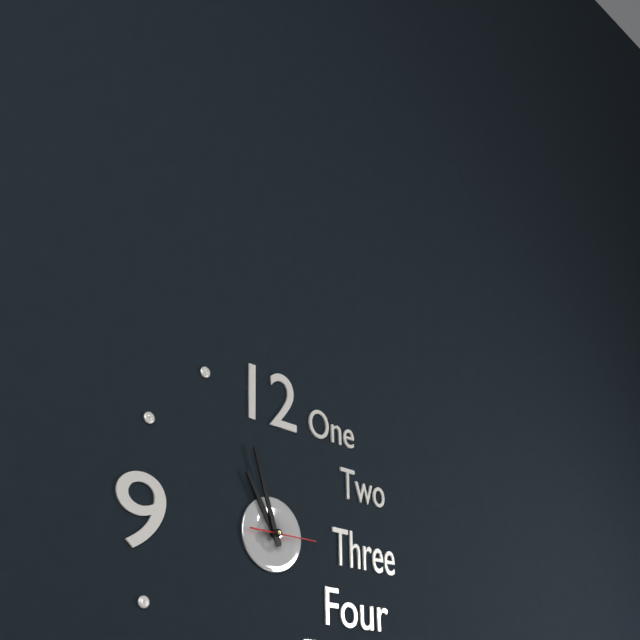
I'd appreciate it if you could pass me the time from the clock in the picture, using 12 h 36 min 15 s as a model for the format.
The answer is 10 h 57 min 15 s
